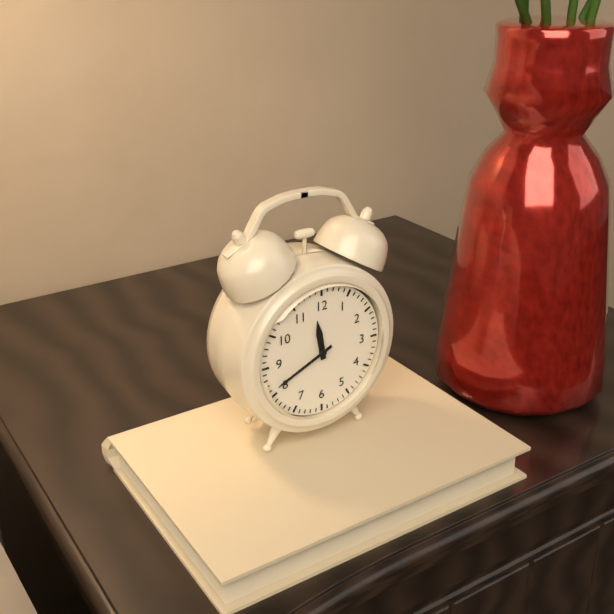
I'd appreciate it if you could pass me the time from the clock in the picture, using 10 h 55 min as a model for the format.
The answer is 11 h 41 min
